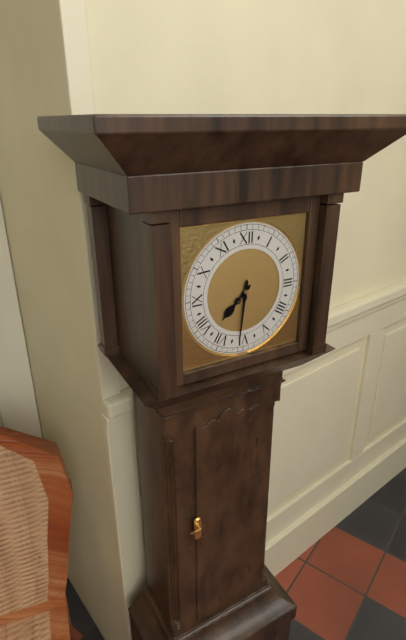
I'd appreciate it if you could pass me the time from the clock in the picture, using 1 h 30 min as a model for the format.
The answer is 7 h 31 min
